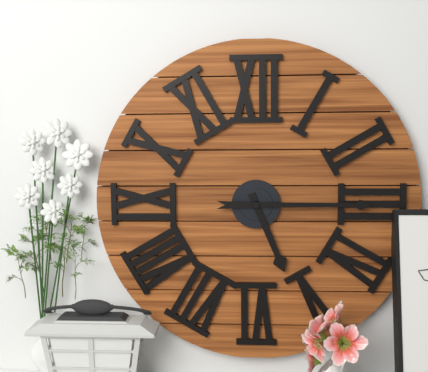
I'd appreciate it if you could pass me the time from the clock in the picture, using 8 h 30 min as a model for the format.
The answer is 5 h 15 min
